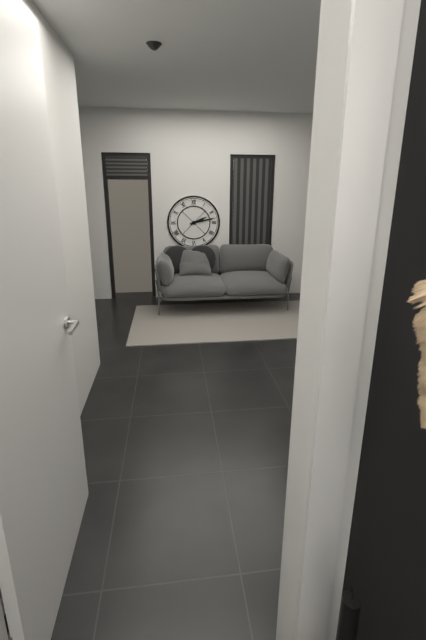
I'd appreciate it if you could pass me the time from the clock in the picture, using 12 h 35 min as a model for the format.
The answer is 2 h 13 min
